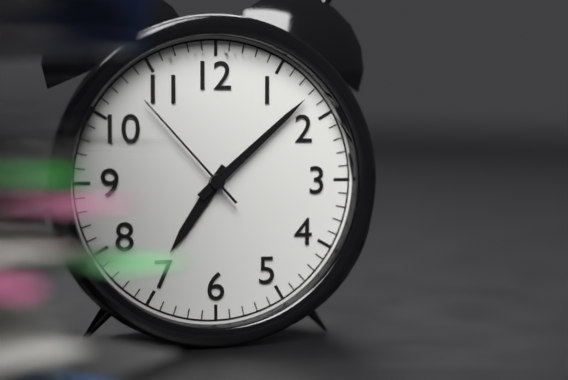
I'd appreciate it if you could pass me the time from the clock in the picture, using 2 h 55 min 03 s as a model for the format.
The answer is 7 h 08 min 53 s
